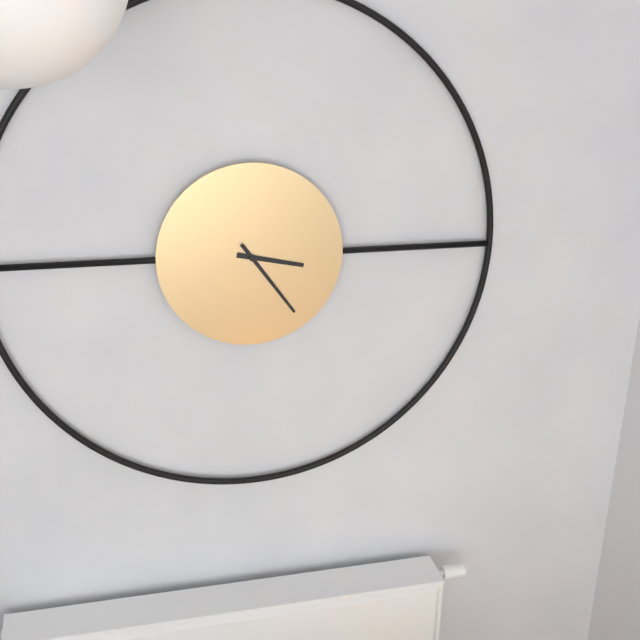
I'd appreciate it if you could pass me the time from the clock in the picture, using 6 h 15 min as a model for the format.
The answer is 3 h 24 min
